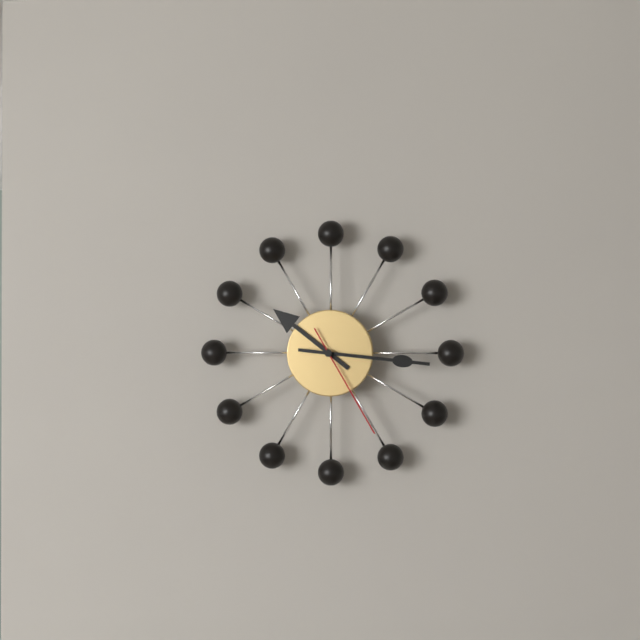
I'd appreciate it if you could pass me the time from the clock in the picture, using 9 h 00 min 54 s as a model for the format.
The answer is 10 h 16 min 25 s
